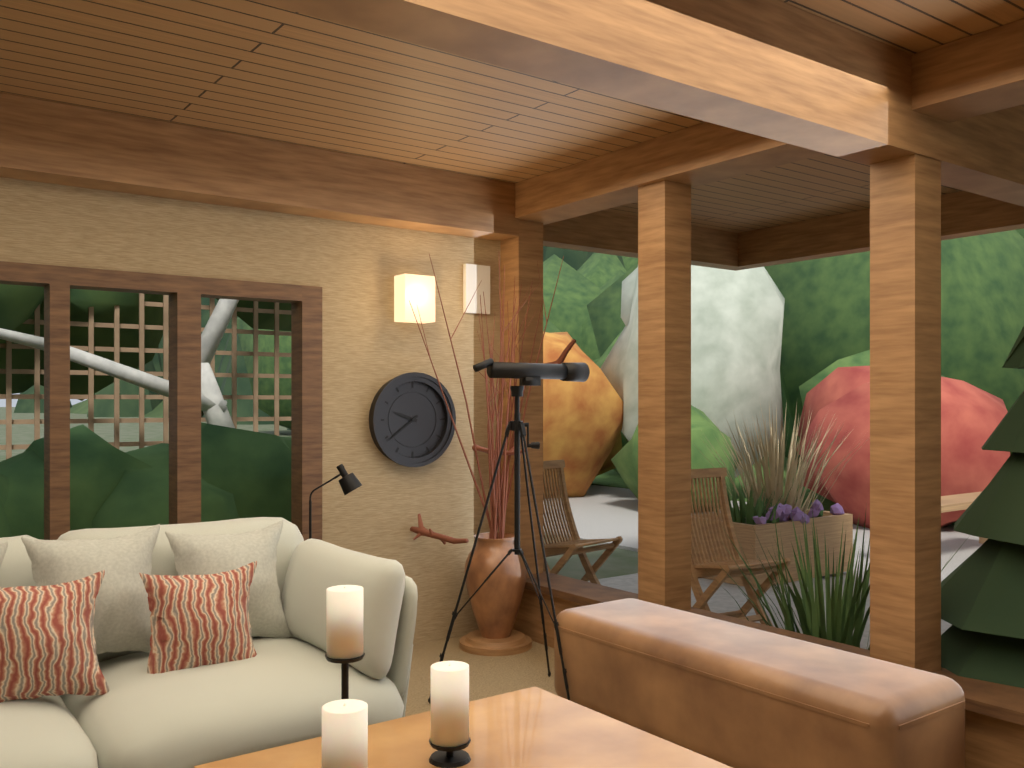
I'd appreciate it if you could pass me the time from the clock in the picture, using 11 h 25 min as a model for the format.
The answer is 9 h 39 min
